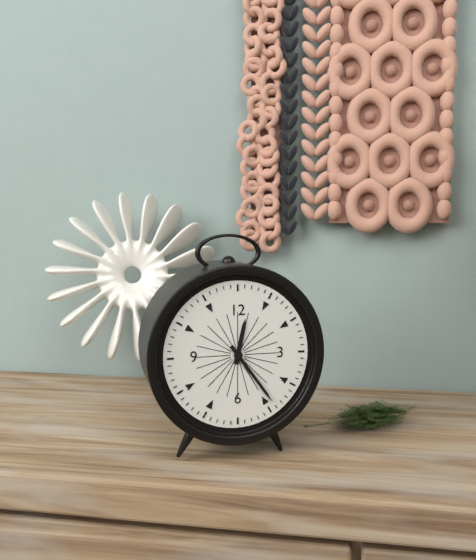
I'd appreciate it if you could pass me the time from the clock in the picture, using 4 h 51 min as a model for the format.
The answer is 12 h 24 min
